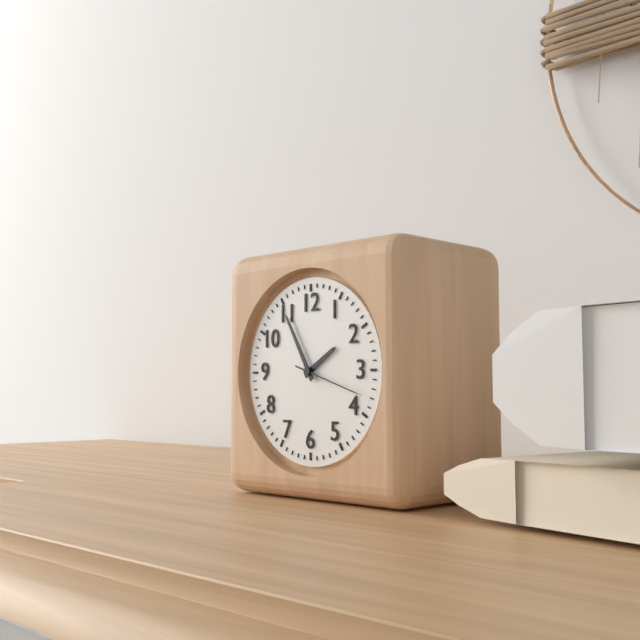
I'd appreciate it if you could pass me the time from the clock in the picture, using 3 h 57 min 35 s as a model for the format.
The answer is 1 h 55 min 18 s
